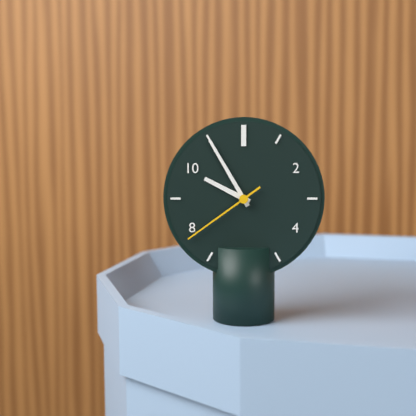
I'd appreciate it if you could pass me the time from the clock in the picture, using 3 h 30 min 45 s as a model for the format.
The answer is 9 h 55 min 39 s
